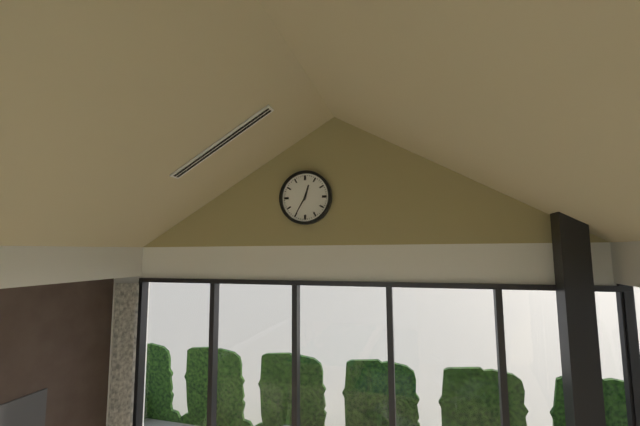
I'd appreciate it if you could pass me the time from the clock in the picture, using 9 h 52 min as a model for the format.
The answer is 12 h 35 min
